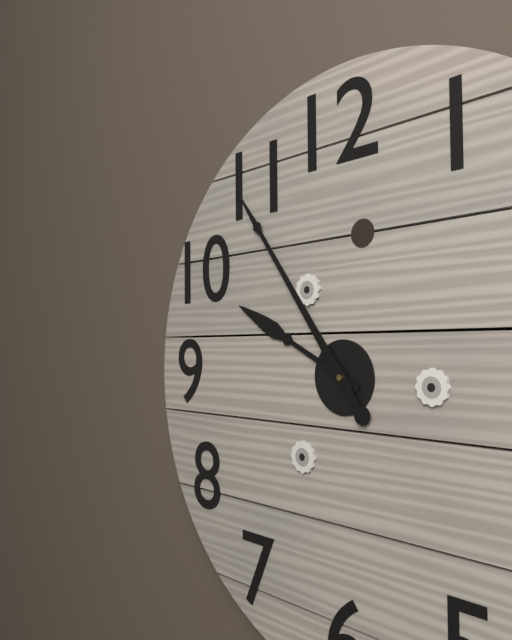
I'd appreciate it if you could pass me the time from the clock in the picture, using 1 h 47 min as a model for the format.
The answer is 9 h 54 min
